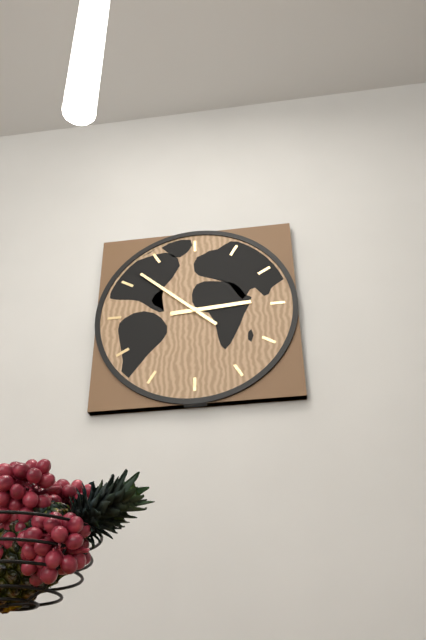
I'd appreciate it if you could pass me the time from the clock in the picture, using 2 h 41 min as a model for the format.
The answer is 2 h 52 min
